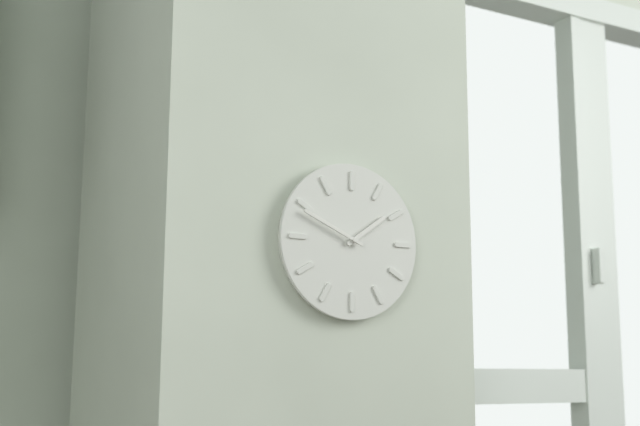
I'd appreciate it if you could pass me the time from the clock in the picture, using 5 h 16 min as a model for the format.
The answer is 1 h 49 min
